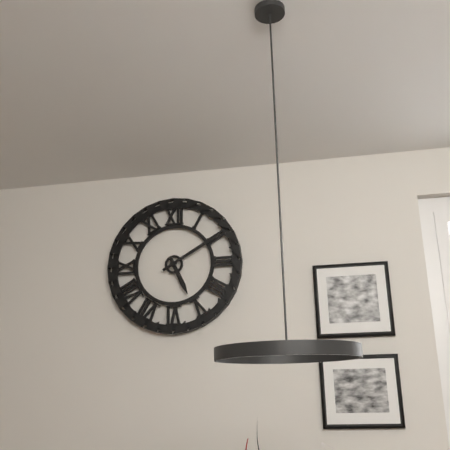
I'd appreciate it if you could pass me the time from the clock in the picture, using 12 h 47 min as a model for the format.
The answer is 5 h 10 min
